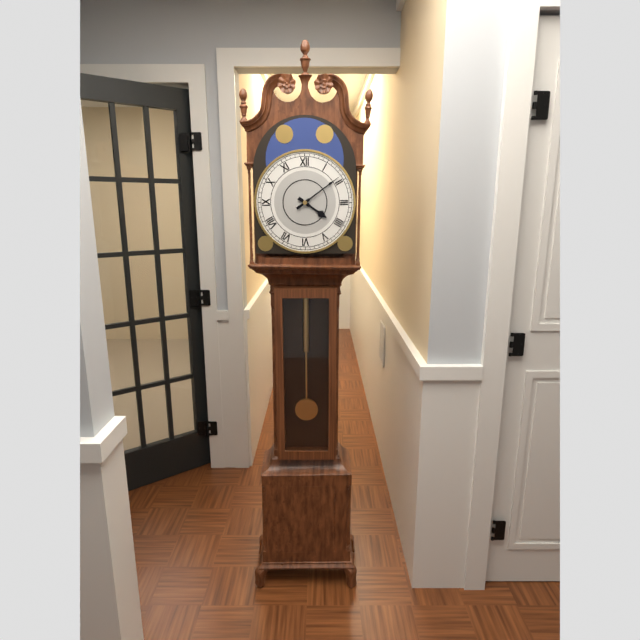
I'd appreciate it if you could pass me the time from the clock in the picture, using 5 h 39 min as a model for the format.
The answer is 4 h 09 min
